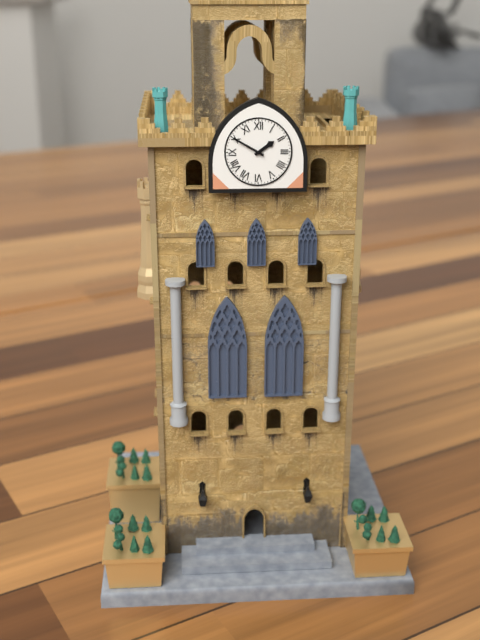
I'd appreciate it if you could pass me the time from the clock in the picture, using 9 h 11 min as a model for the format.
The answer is 1 h 50 min
